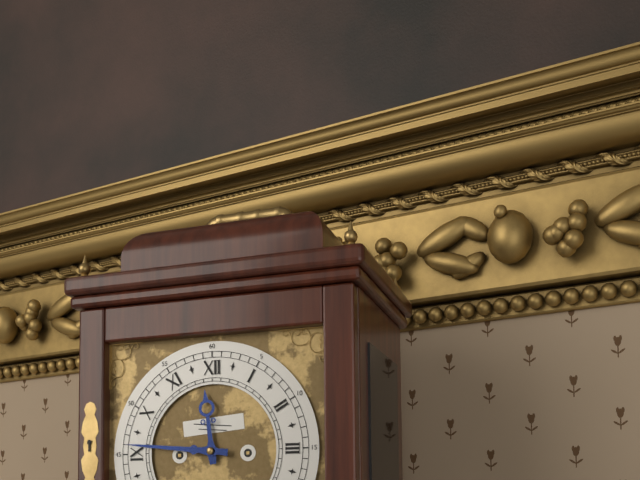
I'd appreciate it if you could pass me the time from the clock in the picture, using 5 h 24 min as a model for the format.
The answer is 11 h 46 min
